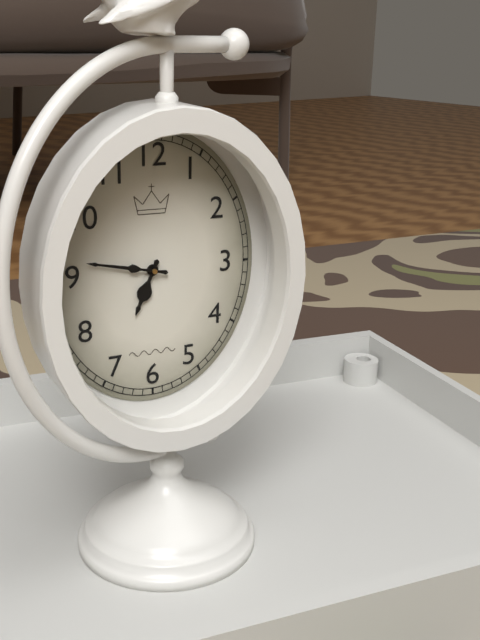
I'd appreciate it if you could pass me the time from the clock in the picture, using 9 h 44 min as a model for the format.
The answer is 6 h 47 min
